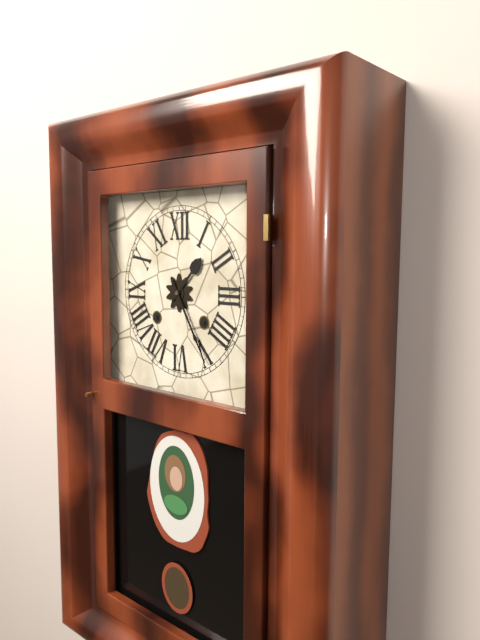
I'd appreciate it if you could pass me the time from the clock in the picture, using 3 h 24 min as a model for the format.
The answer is 1 h 25 min
